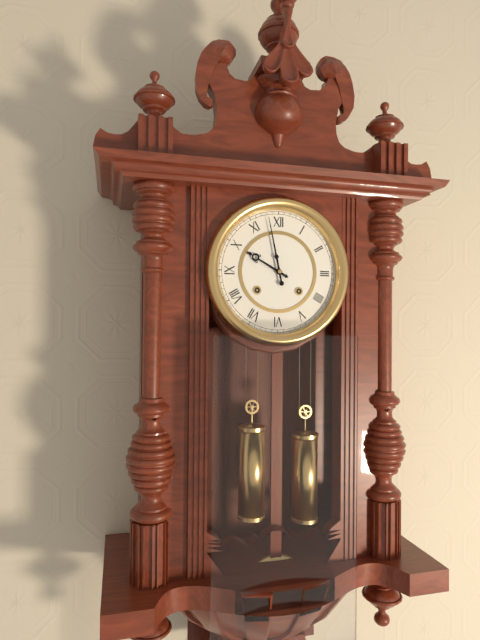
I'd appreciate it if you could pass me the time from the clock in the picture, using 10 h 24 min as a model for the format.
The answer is 9 h 58 min
